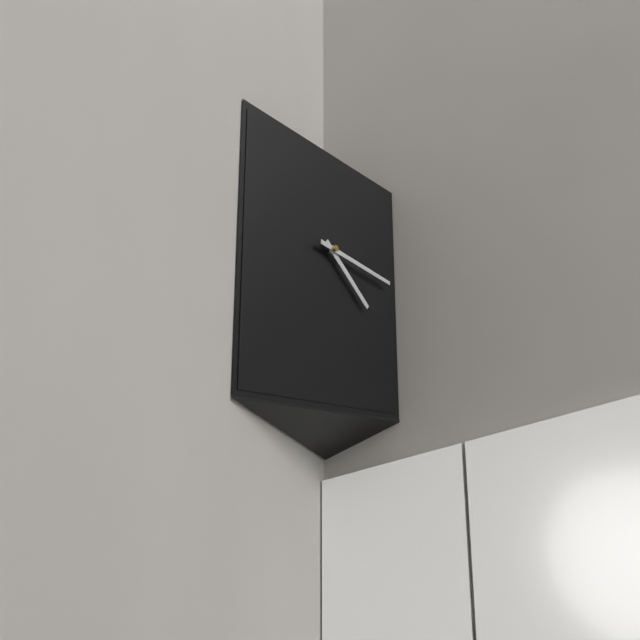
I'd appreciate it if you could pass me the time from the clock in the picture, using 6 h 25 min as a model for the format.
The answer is 4 h 16 min
